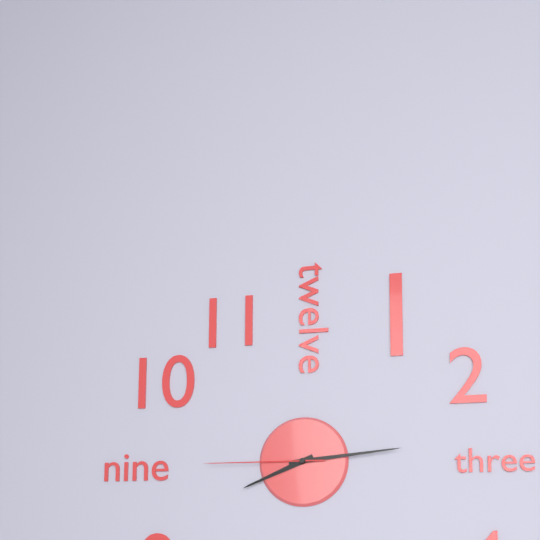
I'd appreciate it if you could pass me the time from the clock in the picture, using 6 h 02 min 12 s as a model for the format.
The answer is 8 h 14 min 45 s
